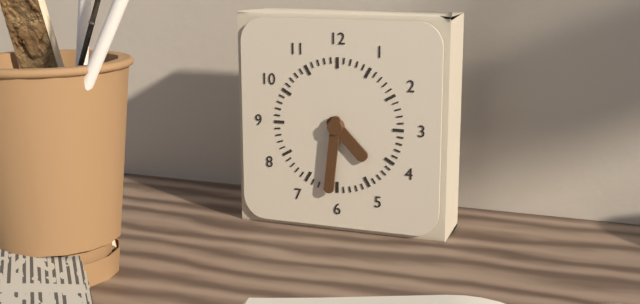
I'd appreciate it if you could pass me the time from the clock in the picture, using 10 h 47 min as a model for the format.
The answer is 4 h 31 min
